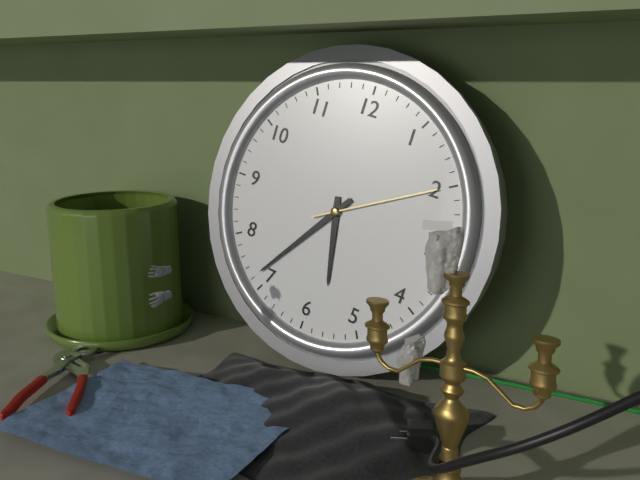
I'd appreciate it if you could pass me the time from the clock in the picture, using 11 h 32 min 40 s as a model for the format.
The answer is 5 h 36 min 10 s
